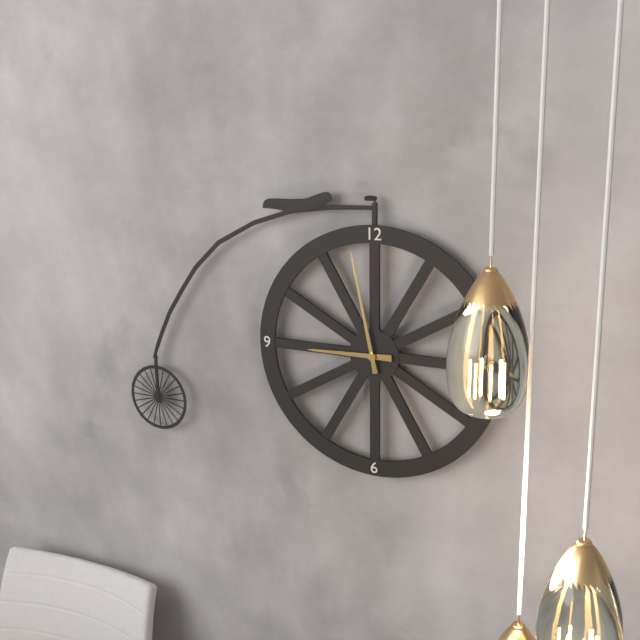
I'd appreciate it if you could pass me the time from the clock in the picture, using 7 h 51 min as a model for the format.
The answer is 8 h 58 min
